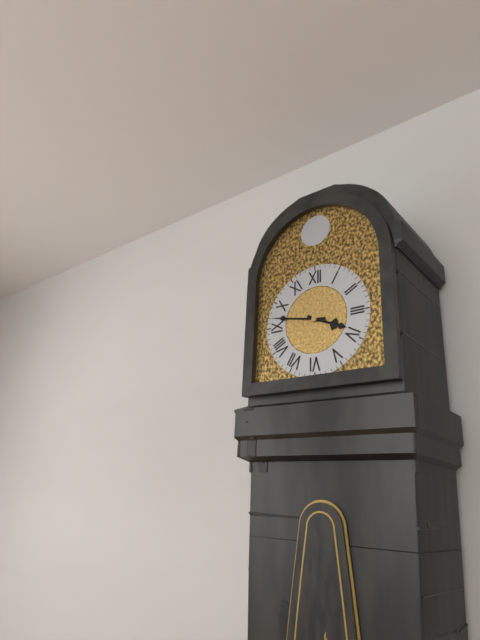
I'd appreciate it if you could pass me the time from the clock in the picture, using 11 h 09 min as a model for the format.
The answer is 3 h 47 min
